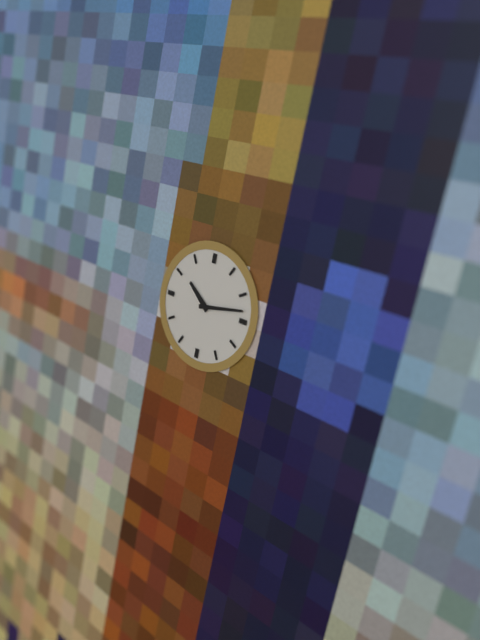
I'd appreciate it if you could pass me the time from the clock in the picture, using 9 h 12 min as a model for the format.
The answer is 10 h 13 min
